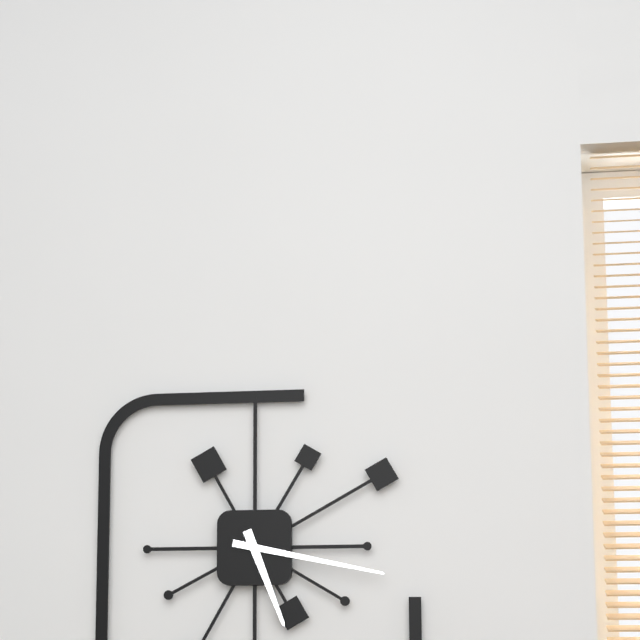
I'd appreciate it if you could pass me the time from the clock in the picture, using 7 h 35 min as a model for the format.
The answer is 5 h 17 min
